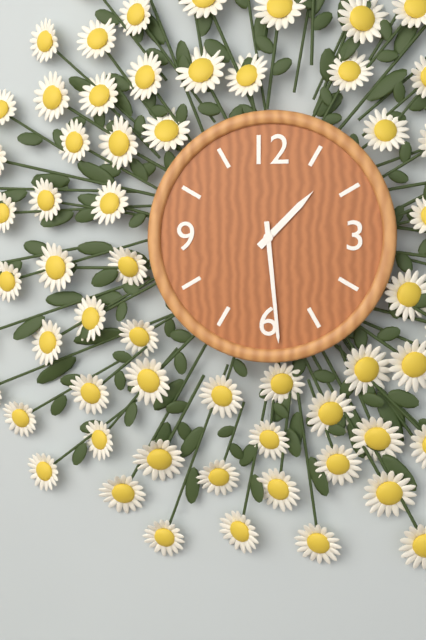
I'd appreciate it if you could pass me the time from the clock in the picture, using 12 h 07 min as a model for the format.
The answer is 1 h 29 min
